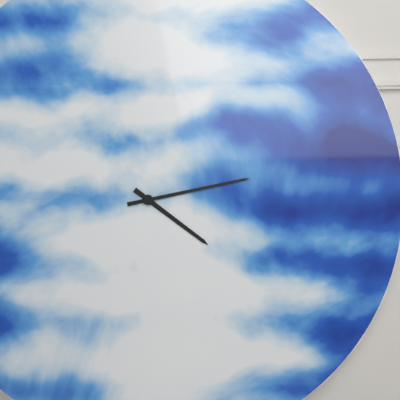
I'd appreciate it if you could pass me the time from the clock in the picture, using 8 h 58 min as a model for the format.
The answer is 4 h 13 min
